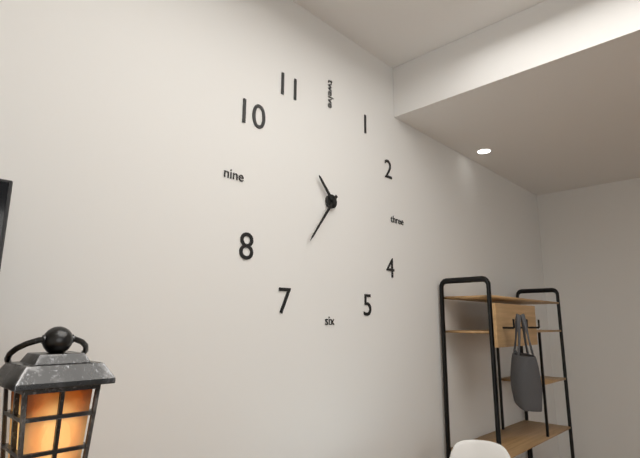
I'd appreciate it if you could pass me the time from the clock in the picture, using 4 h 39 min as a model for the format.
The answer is 10 h 36 min
